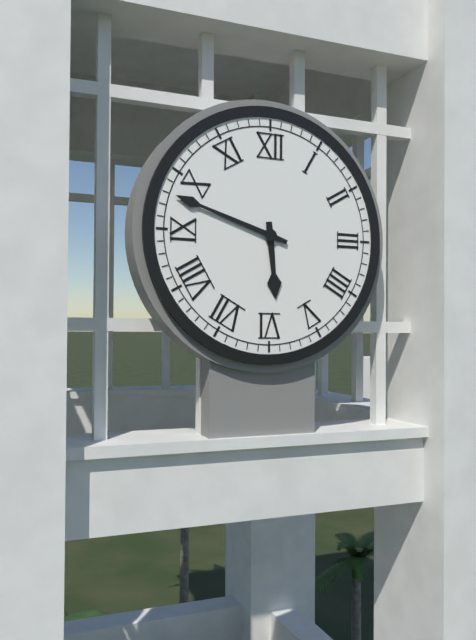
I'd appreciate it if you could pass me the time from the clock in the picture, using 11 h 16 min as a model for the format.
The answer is 5 h 48 min
